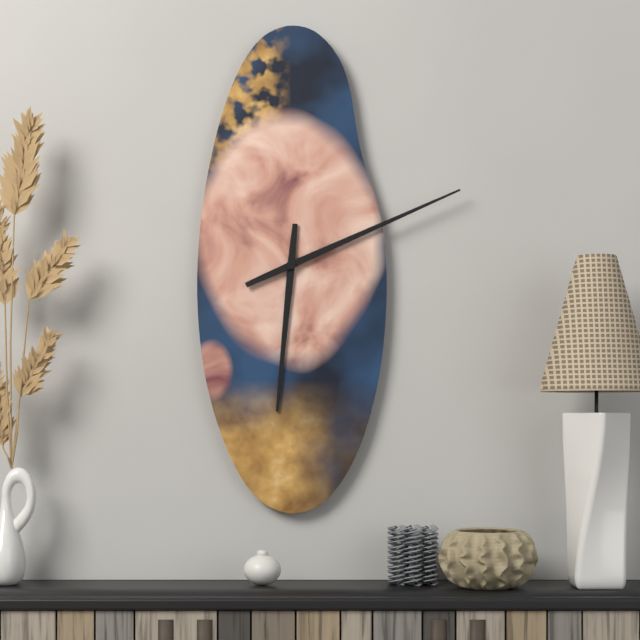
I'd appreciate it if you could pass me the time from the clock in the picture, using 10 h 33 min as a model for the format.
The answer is 6 h 11 min
